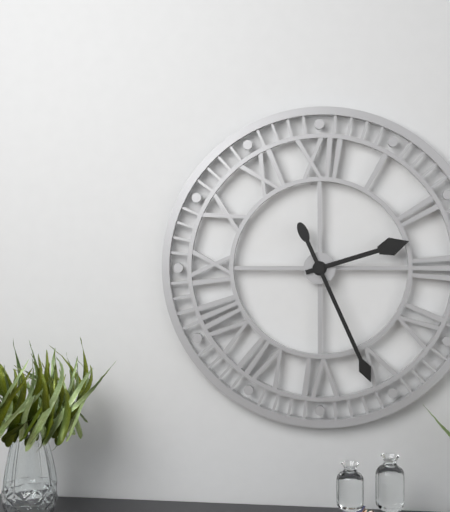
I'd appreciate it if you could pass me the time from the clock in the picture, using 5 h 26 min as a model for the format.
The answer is 2 h 26 min
